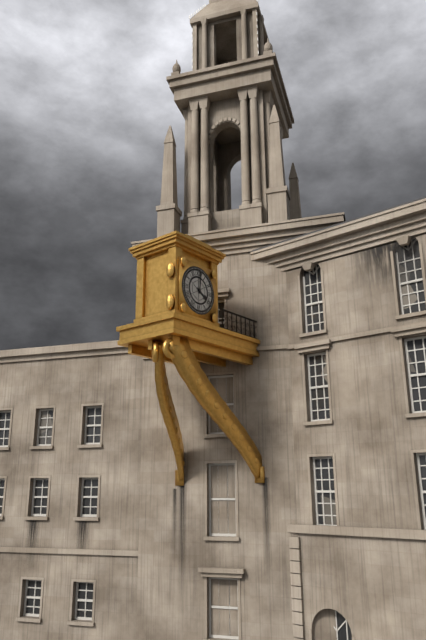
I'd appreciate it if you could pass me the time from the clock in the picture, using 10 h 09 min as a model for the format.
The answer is 4 h 01 min
